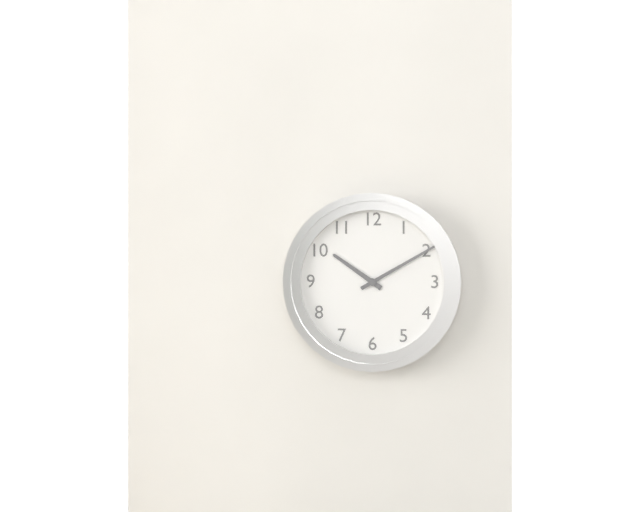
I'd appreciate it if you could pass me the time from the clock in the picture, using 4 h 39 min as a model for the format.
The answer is 10 h 10 min
